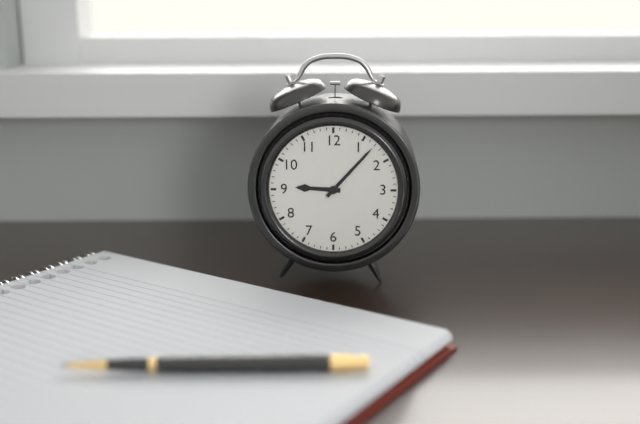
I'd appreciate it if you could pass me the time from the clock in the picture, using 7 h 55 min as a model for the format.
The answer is 9 h 07 min
